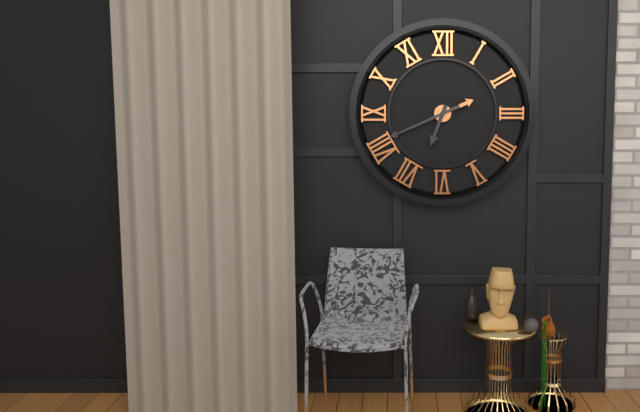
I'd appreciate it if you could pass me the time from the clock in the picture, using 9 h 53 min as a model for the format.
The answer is 6 h 41 min
